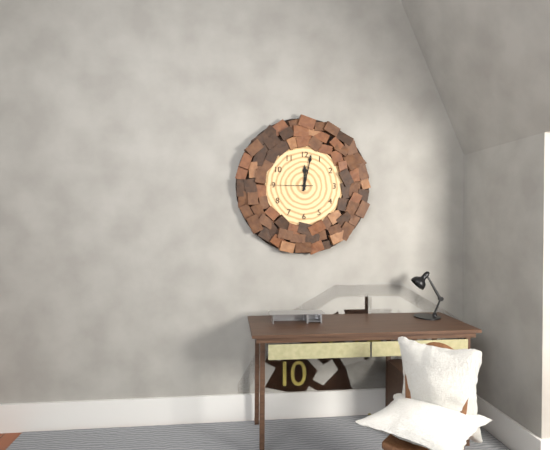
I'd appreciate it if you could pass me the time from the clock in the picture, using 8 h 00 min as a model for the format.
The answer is 12 h 02 min
